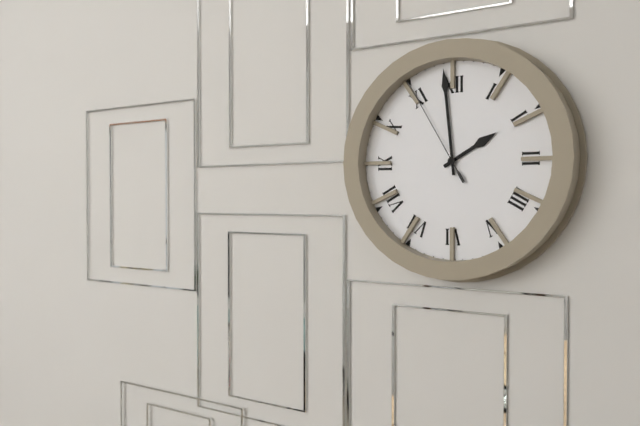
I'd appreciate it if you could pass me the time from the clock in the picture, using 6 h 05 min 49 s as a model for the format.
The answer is 1 h 59 min 55 s
